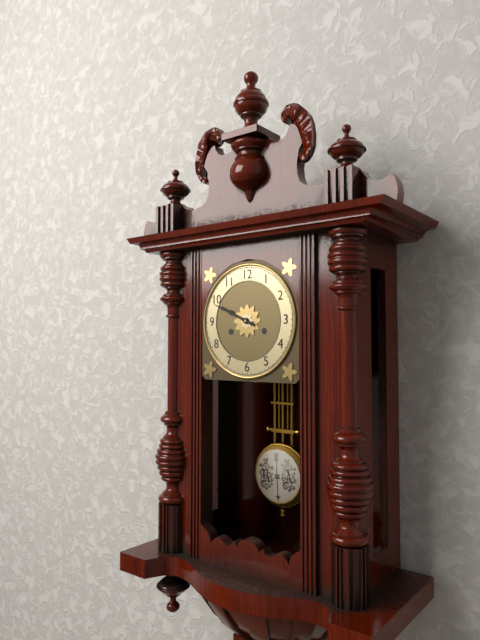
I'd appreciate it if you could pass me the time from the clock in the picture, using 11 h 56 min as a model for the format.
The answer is 9 h 49 min
